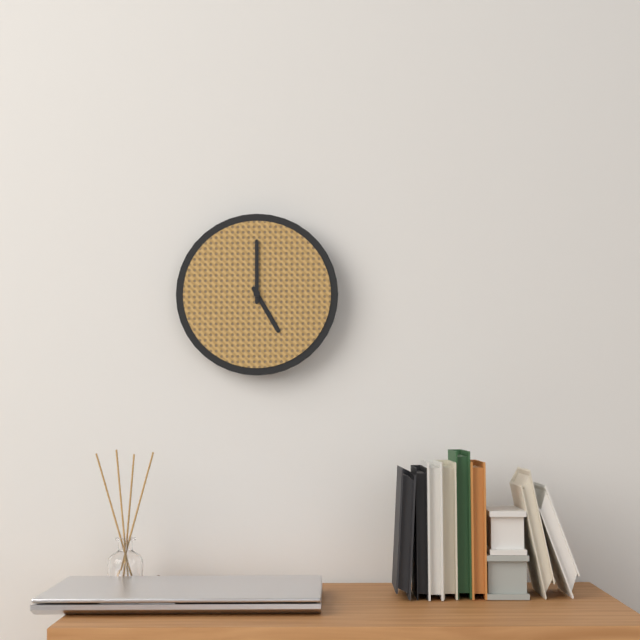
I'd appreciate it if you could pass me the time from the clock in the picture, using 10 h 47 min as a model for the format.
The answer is 5 h 00 min
